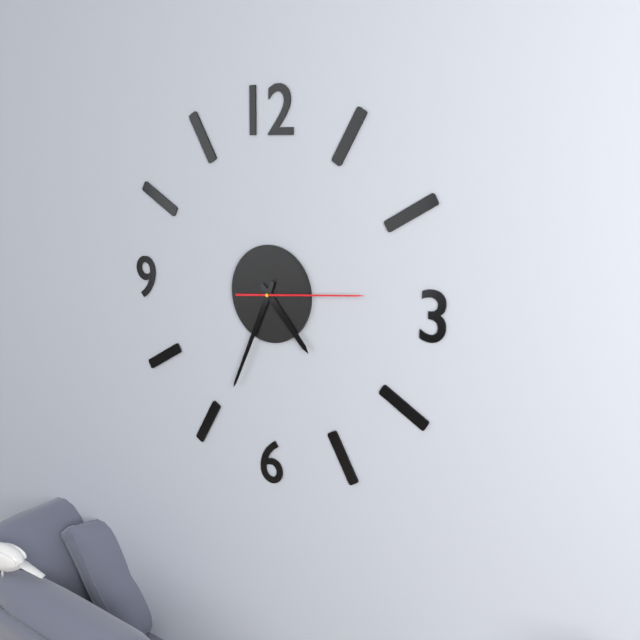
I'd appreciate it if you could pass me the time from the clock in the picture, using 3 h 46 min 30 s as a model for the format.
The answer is 4 h 34 min 14 s
